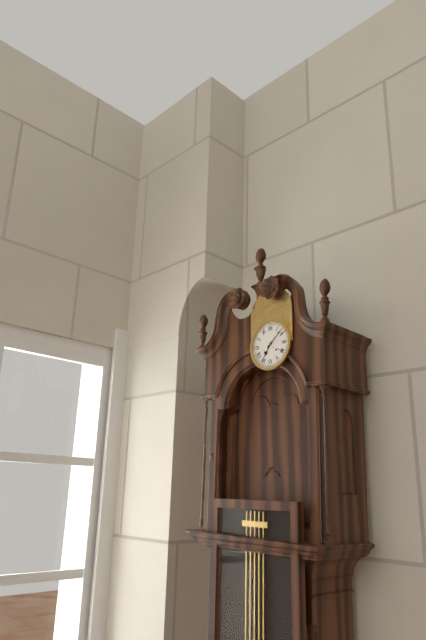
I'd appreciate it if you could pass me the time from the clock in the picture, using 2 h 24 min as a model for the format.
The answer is 7 h 08 min
